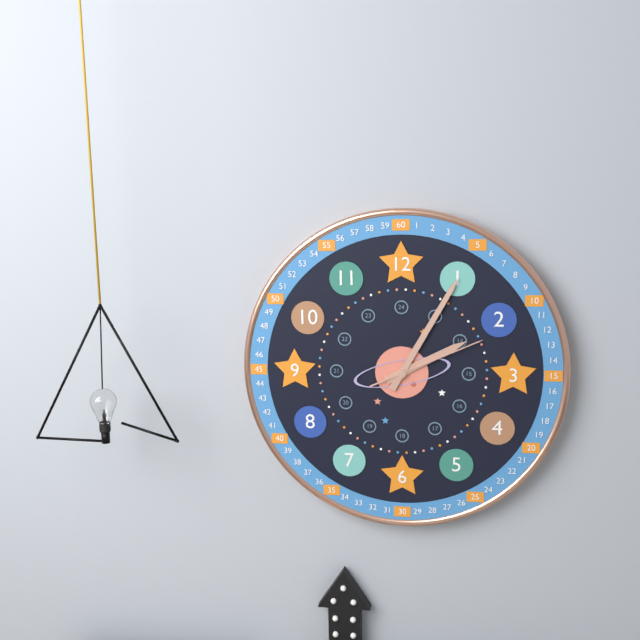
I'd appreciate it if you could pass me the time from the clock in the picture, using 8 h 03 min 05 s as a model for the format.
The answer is 2 h 05 min 11 s
